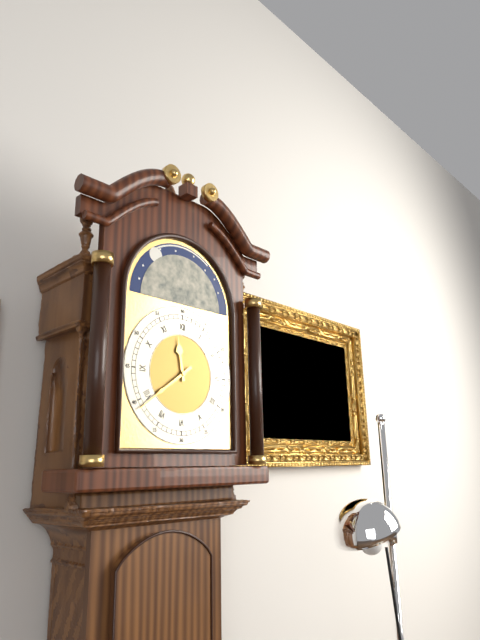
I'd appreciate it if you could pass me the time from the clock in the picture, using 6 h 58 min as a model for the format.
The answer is 11 h 39 min
